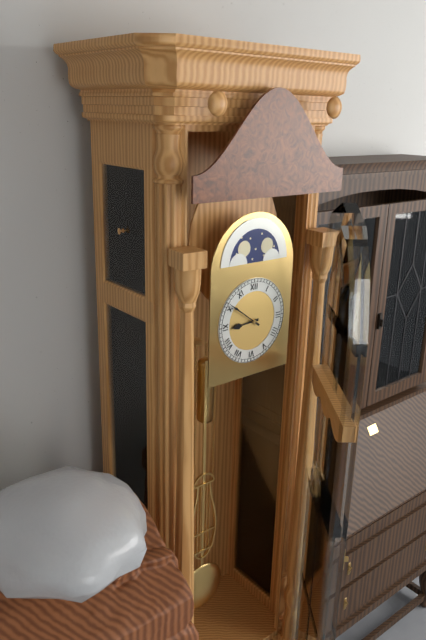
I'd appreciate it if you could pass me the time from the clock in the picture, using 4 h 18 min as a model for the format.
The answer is 8 h 51 min
